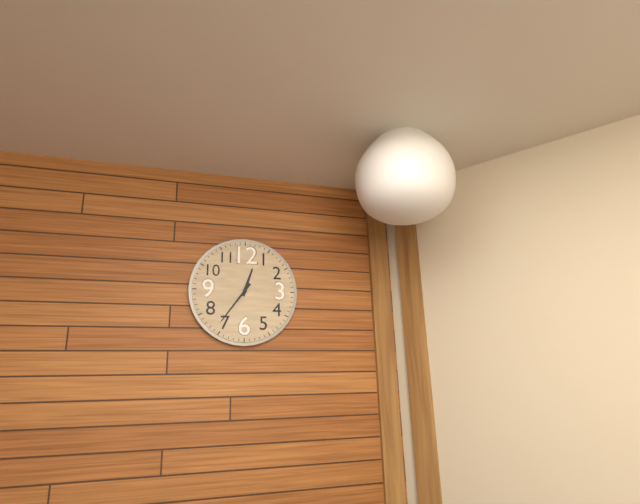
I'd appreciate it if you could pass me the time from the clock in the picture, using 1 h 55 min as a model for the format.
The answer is 12 h 36 min
